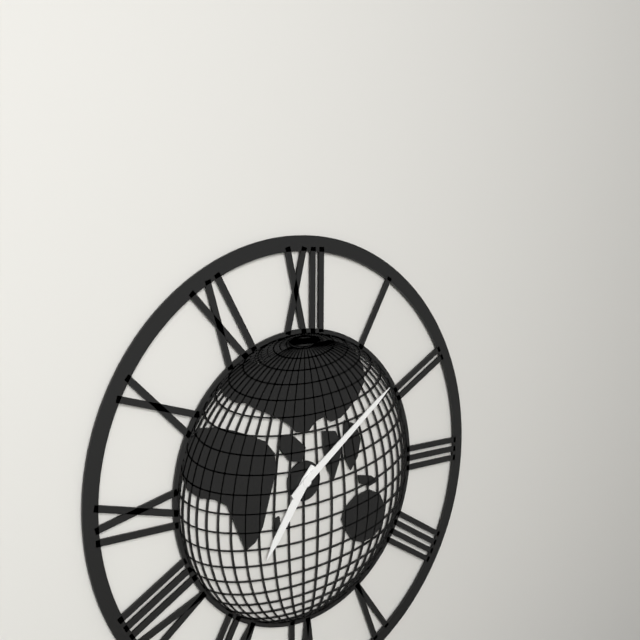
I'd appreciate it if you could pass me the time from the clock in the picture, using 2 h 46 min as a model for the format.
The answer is 7 h 09 min
